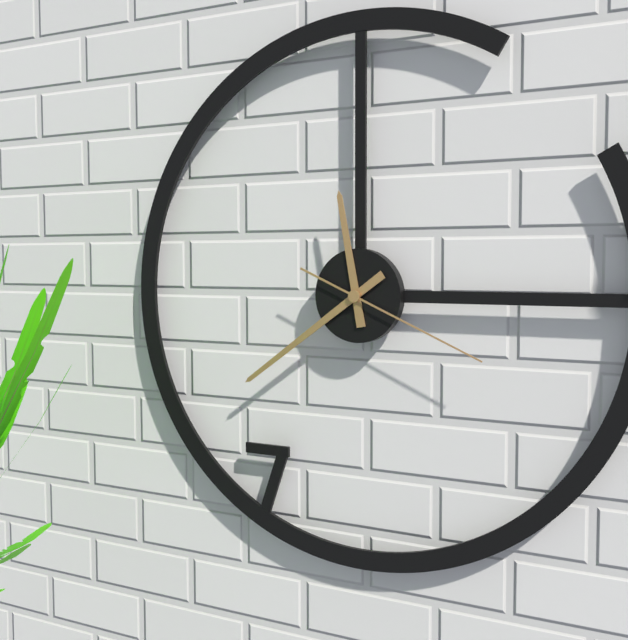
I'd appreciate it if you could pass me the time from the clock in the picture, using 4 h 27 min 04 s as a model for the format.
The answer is 11 h 39 min 19 s
